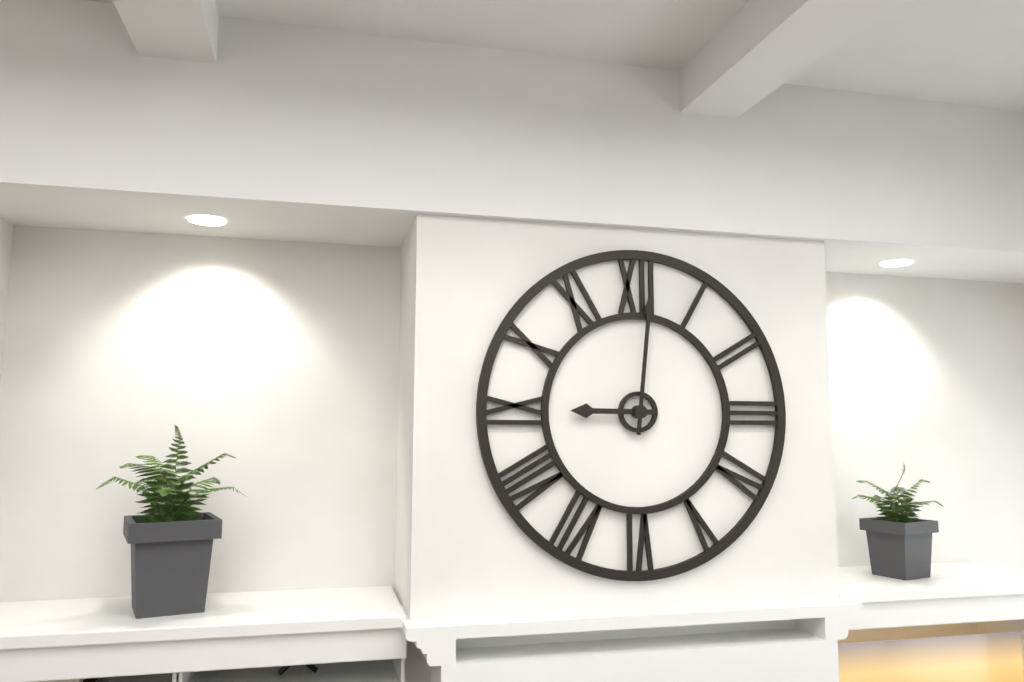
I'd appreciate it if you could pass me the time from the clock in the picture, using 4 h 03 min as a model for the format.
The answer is 9 h 01 min
